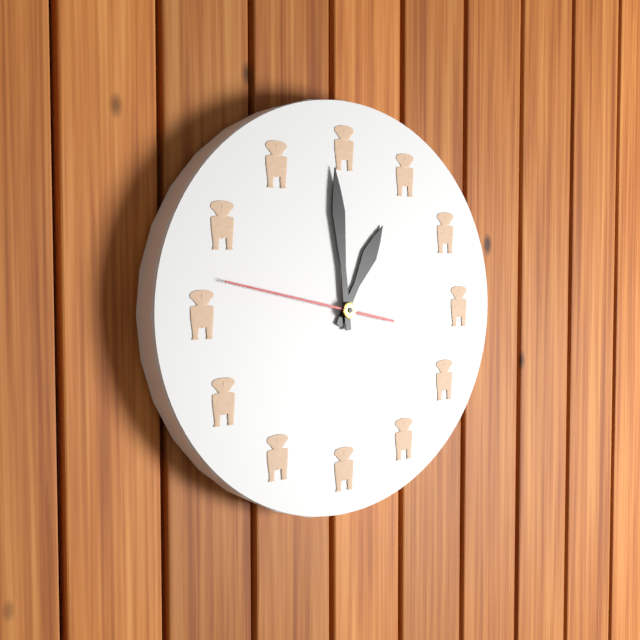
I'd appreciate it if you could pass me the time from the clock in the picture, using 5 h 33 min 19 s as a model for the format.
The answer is 12 h 59 min 47 s
